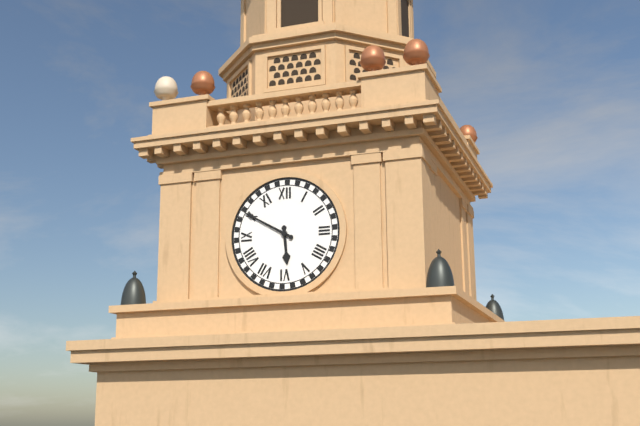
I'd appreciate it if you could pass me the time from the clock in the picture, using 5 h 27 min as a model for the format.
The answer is 5 h 50 min
